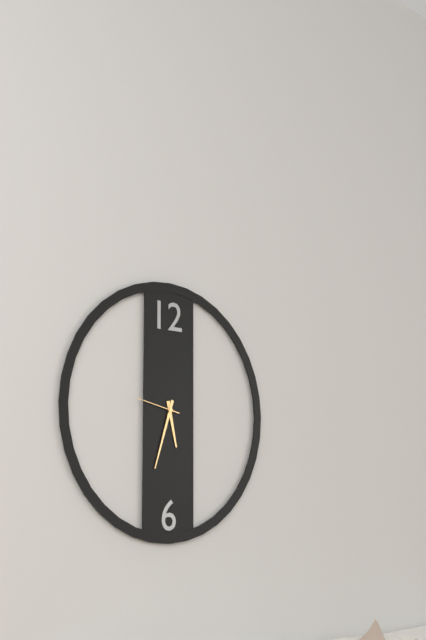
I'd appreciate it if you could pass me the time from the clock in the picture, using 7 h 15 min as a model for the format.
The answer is 5 h 33 min
